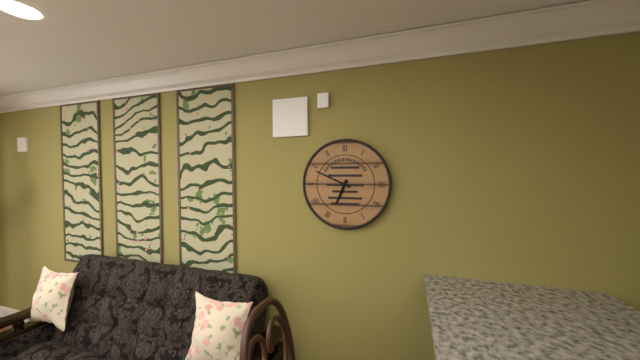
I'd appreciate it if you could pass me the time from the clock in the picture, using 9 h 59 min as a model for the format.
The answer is 6 h 49 min
